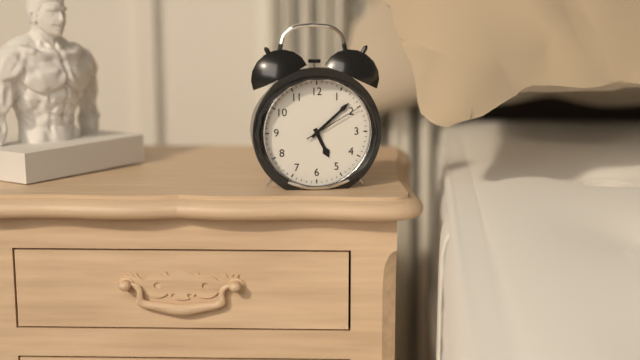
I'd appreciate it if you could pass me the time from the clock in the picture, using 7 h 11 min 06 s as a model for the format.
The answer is 5 h 08 min 10 s
